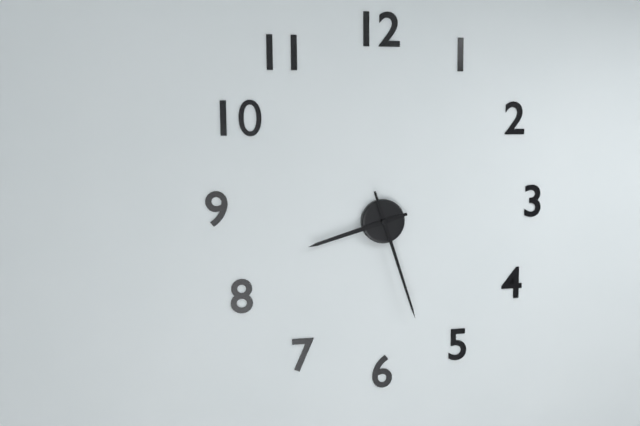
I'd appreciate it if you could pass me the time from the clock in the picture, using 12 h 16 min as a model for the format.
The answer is 8 h 27 min
